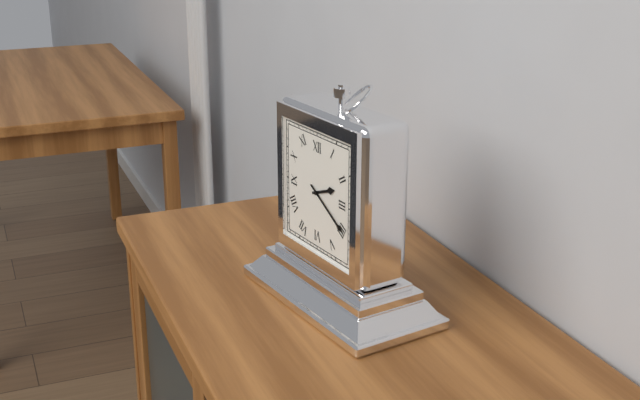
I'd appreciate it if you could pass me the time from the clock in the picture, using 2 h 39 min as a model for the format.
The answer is 2 h 20 min
